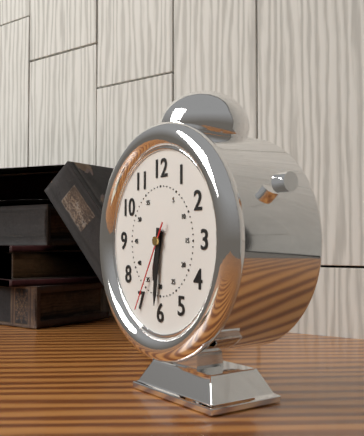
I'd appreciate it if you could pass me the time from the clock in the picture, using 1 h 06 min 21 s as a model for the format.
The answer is 6 h 31 min 35 s
